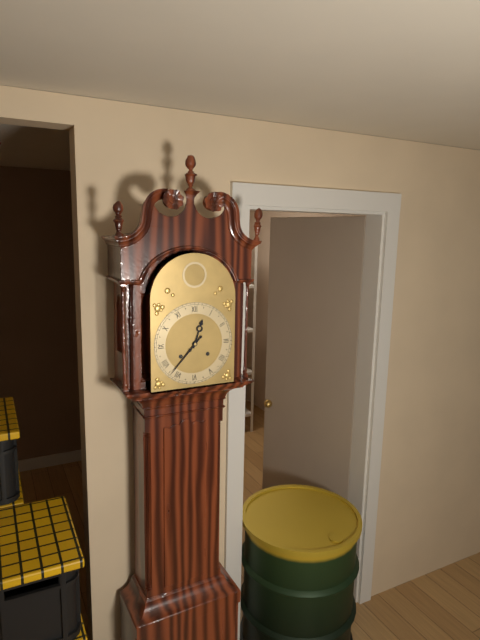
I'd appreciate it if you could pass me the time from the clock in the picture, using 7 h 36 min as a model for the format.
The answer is 12 h 37 min
